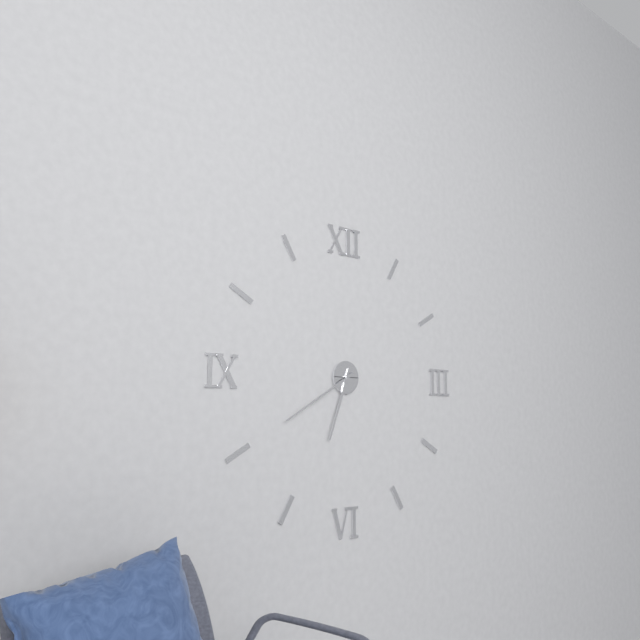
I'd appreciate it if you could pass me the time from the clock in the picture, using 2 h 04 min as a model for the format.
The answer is 6 h 40 min
